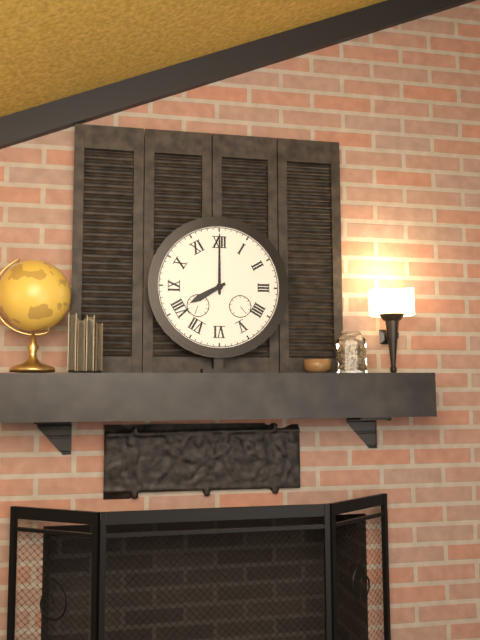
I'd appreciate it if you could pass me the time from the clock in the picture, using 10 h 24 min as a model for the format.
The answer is 8 h 00 min
